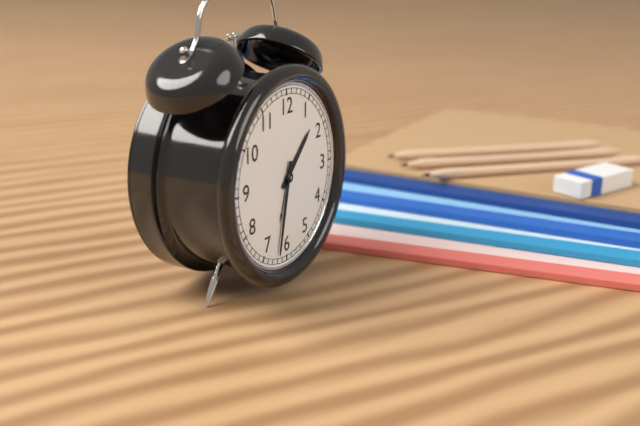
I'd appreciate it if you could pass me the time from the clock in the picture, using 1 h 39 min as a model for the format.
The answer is 1 h 32 min
